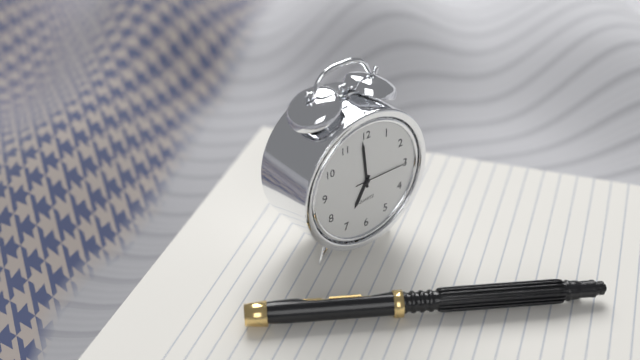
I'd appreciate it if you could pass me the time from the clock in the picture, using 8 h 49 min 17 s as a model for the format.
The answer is 6 h 59 min 15 s
